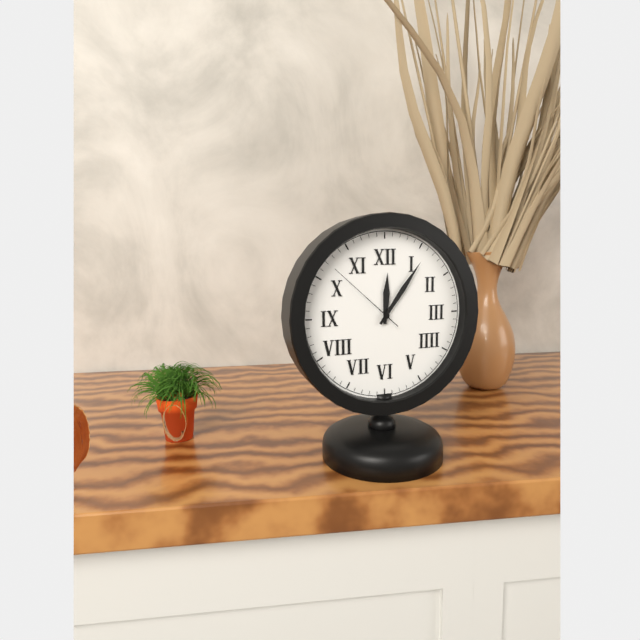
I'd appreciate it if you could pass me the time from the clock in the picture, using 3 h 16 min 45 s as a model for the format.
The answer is 12 h 06 min 52 s
